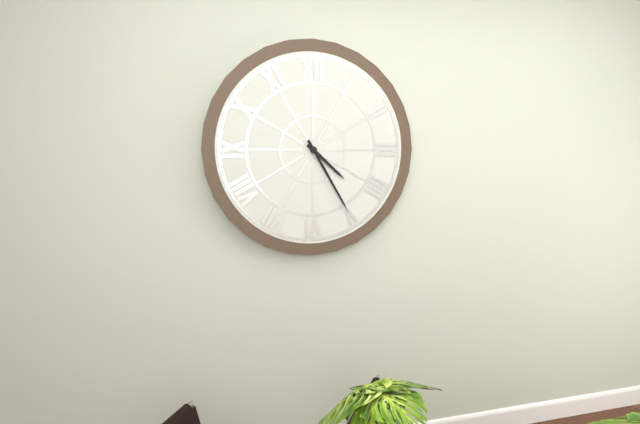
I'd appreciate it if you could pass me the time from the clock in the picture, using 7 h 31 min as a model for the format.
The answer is 4 h 25 min
